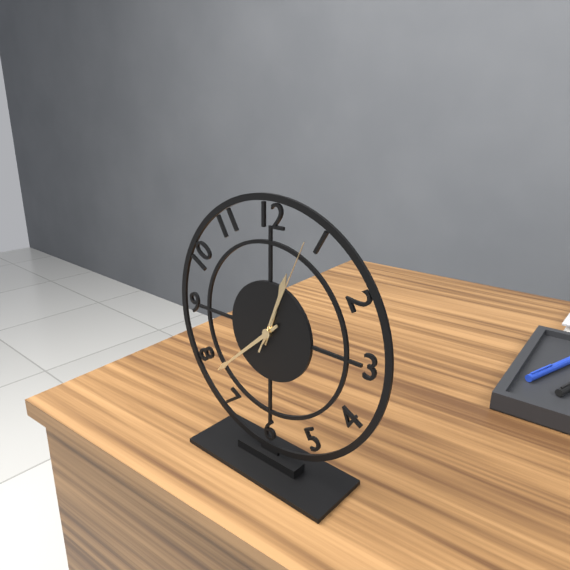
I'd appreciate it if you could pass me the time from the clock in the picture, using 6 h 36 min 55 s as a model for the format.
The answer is 12 h 38 min 04 s
